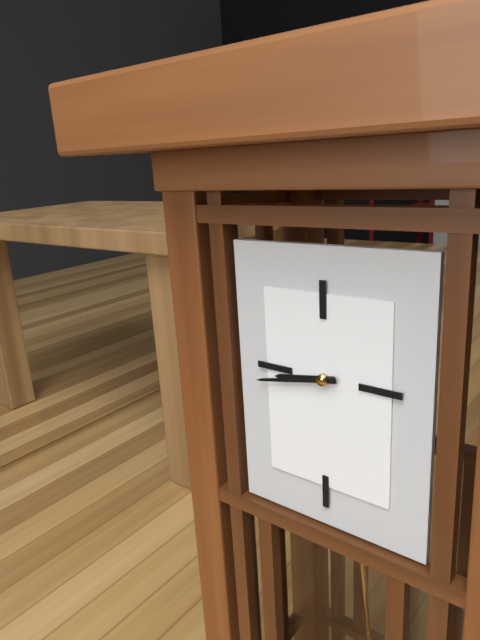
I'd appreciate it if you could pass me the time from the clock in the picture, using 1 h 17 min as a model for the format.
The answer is 8 h 43 min
